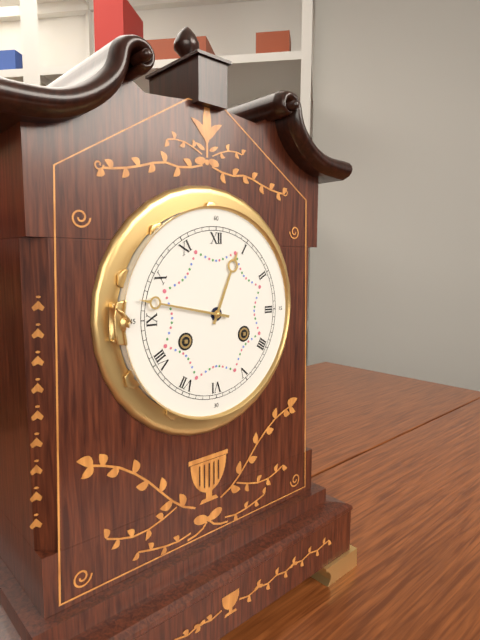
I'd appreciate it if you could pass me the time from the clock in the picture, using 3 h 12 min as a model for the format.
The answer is 12 h 47 min
